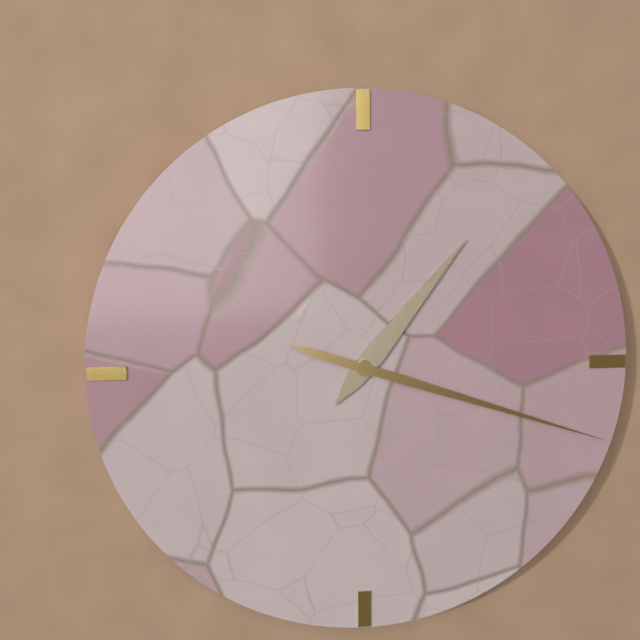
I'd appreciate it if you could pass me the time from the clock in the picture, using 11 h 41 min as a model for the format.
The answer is 1 h 18 min
